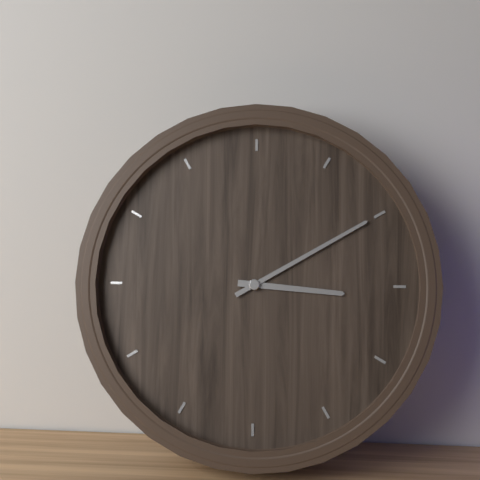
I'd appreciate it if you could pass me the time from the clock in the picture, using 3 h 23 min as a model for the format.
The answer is 3 h 10 min
